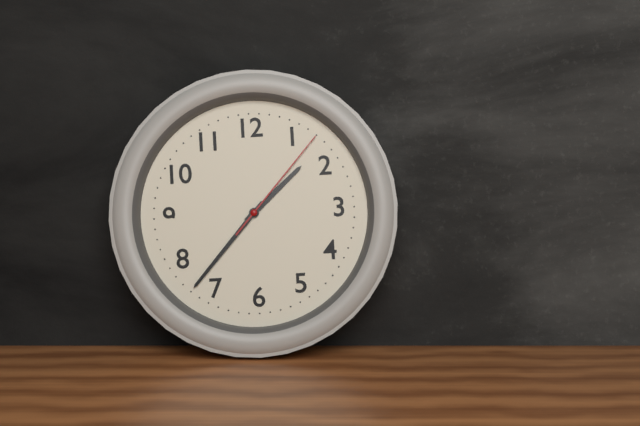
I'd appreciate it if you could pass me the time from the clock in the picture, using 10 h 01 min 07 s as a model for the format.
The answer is 1 h 37 min 07 s
